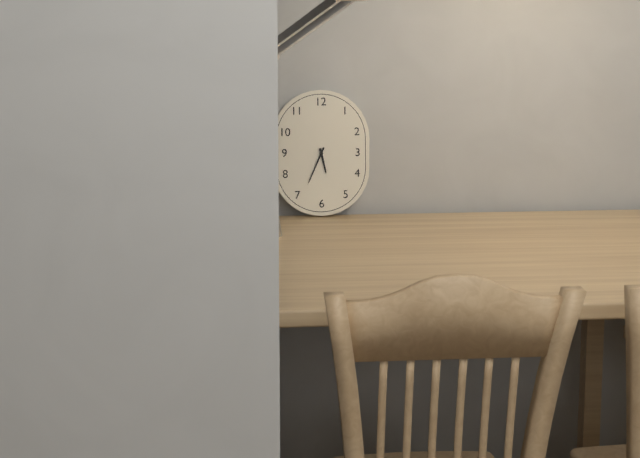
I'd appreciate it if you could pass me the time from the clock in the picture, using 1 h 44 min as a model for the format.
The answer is 5 h 34 min
